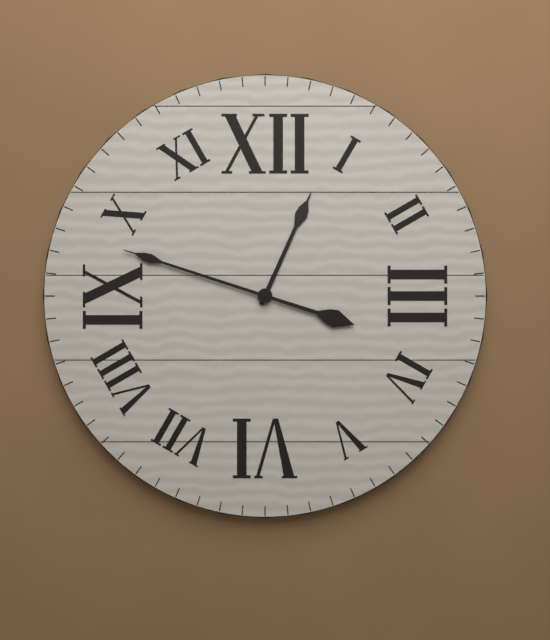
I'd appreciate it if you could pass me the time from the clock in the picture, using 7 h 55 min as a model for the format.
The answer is 12 h 48 min
